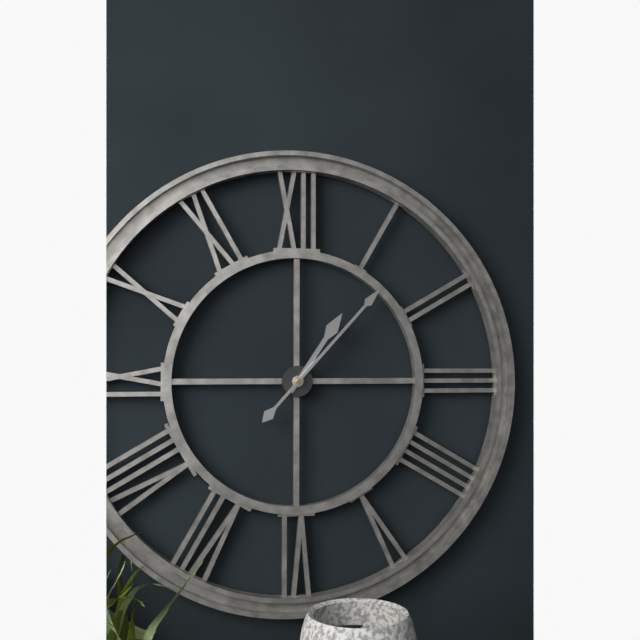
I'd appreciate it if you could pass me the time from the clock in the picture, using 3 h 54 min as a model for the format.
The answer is 1 h 07 min
